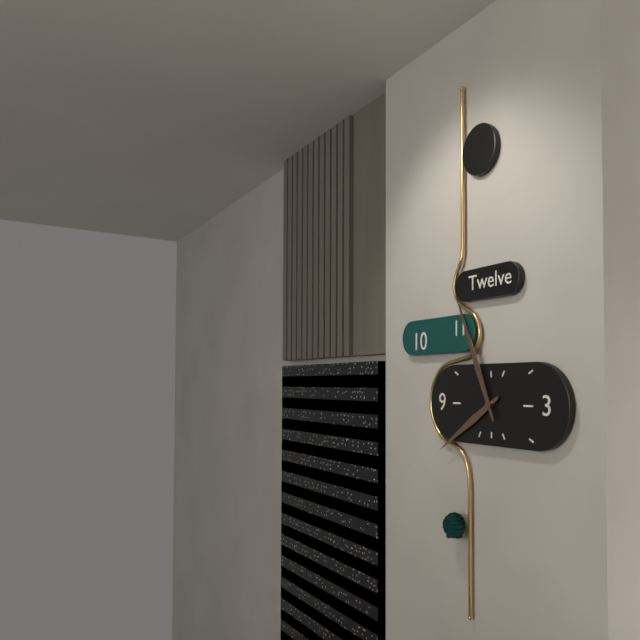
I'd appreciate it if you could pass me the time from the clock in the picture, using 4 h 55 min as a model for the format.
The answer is 7 h 56 min
